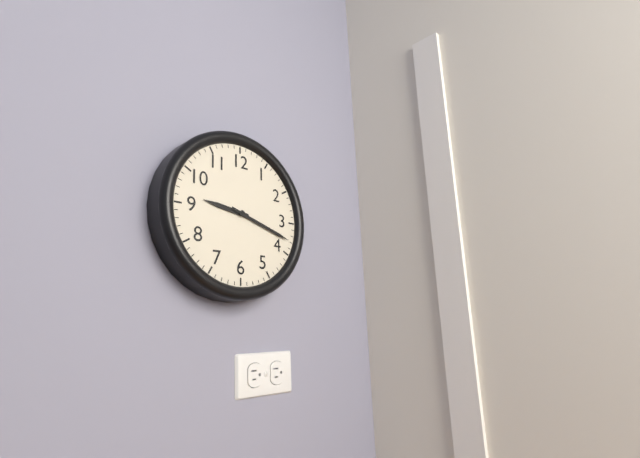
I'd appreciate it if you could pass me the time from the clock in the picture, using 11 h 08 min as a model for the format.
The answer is 9 h 18 min
